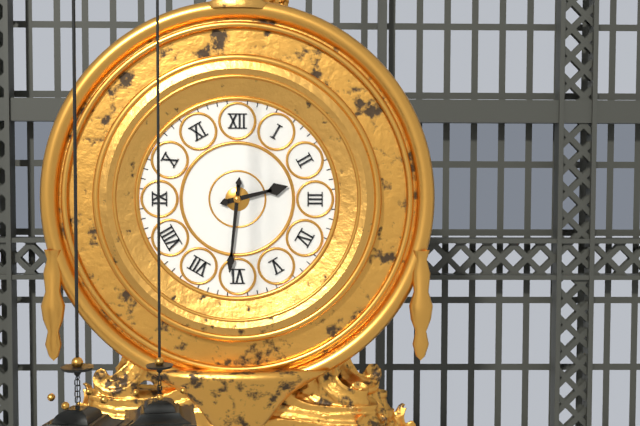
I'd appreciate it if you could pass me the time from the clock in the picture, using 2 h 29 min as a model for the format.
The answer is 2 h 31 min
